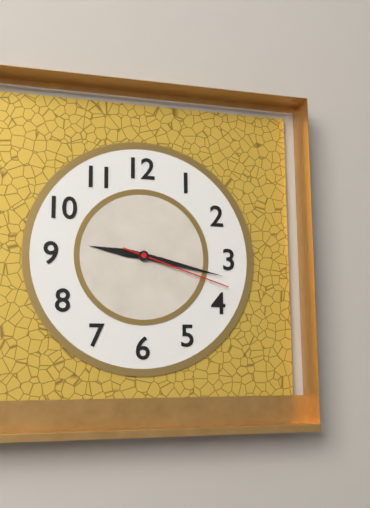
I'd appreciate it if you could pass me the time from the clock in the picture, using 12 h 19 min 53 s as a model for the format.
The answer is 9 h 17 min 18 s
